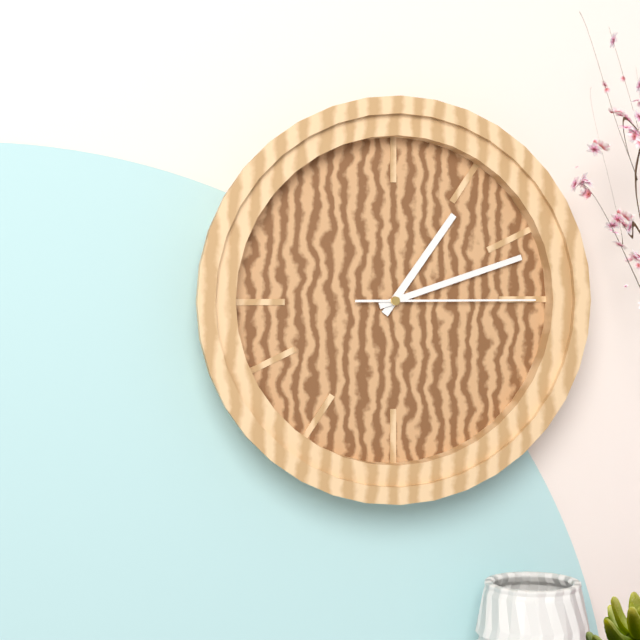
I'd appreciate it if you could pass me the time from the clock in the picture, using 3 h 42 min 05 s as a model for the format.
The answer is 1 h 12 min 15 s
